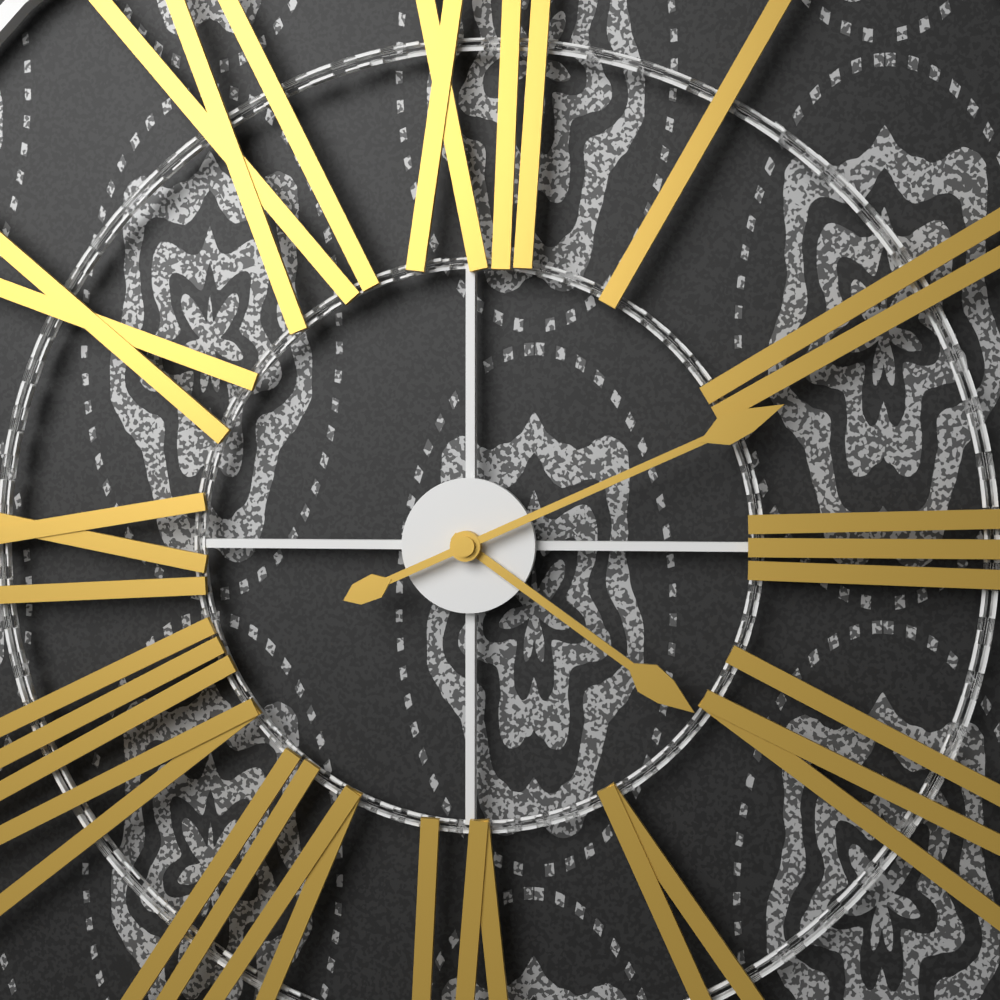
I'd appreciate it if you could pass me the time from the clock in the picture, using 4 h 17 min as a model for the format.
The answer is 4 h 11 min
